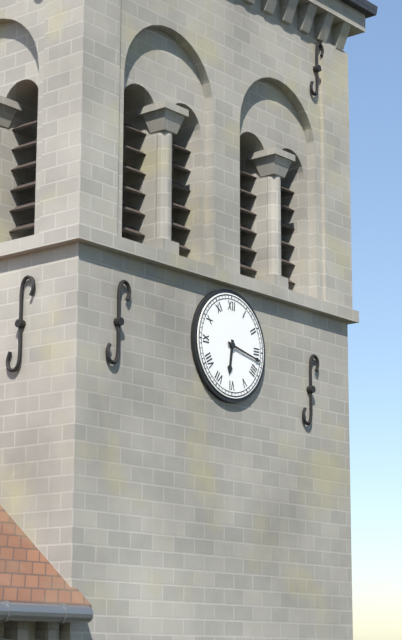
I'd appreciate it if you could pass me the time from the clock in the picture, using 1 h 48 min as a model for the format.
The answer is 6 h 17 min
